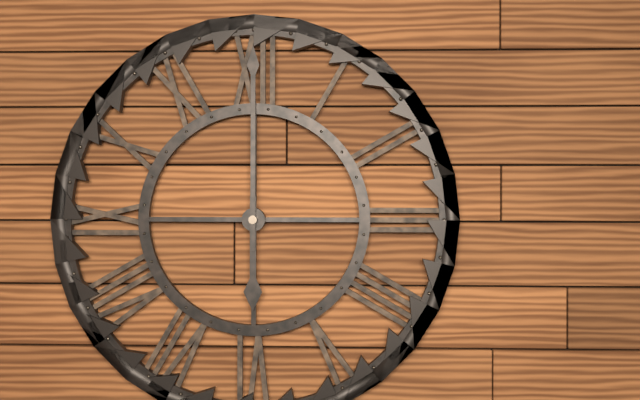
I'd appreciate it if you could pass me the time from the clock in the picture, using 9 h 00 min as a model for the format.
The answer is 6 h 00 min
